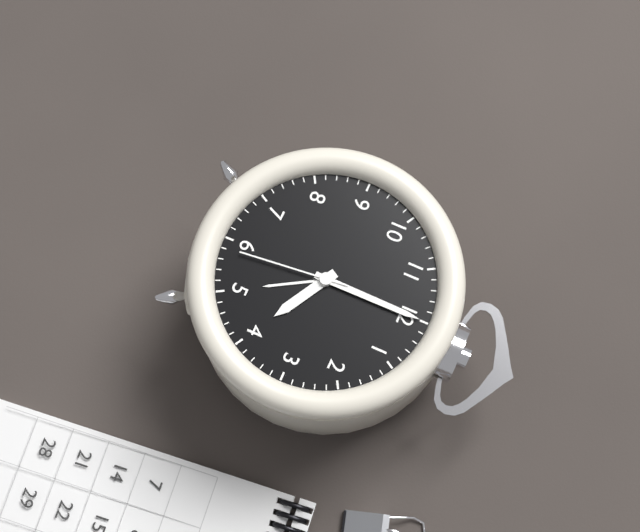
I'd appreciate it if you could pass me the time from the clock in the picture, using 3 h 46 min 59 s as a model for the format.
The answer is 4 h 00 min 29 s
